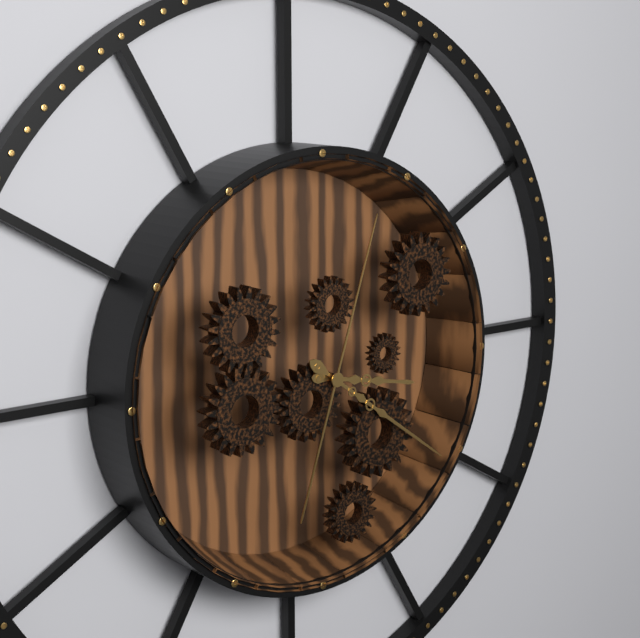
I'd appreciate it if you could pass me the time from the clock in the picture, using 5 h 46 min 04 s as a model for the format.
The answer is 3 h 21 min 03 s
